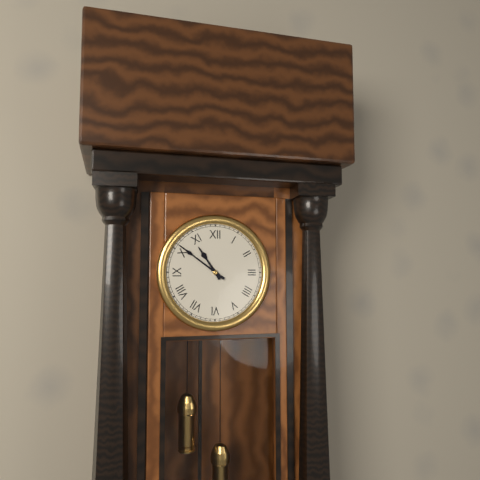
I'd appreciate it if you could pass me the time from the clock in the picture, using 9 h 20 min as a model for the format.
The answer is 10 h 51 min
